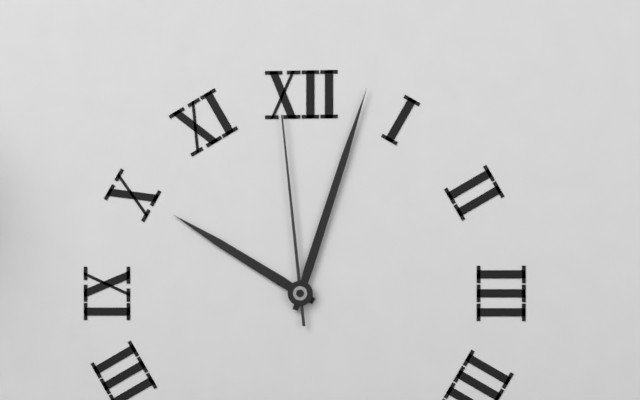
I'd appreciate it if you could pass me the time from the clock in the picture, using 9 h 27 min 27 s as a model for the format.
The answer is 10 h 03 min 59 s
